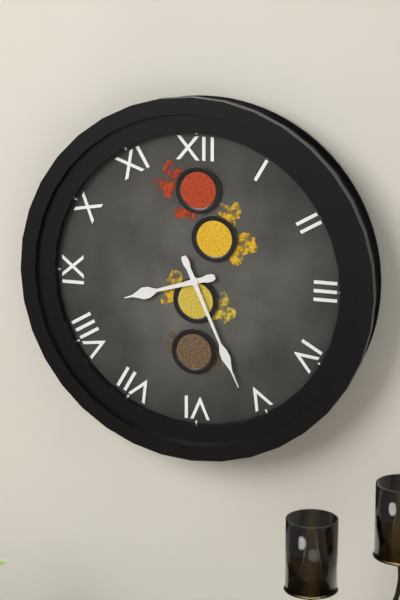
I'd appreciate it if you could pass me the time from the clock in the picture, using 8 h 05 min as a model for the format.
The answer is 8 h 26 min
